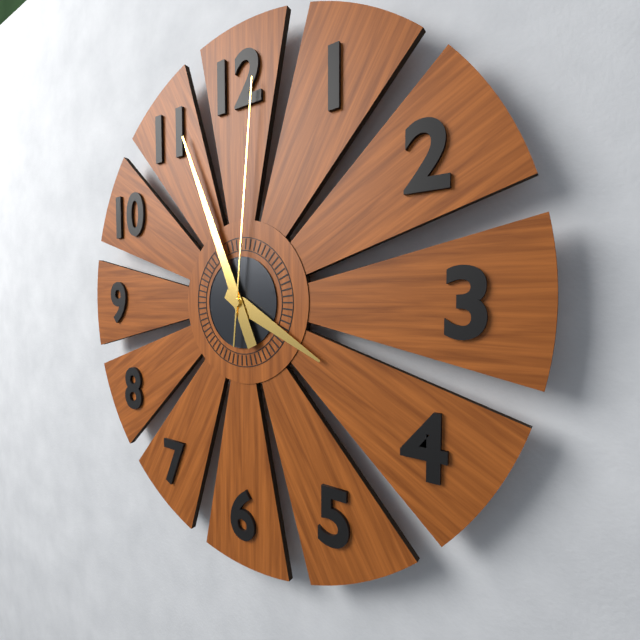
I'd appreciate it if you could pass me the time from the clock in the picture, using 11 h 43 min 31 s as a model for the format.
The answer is 3 h 56 min 01 s
